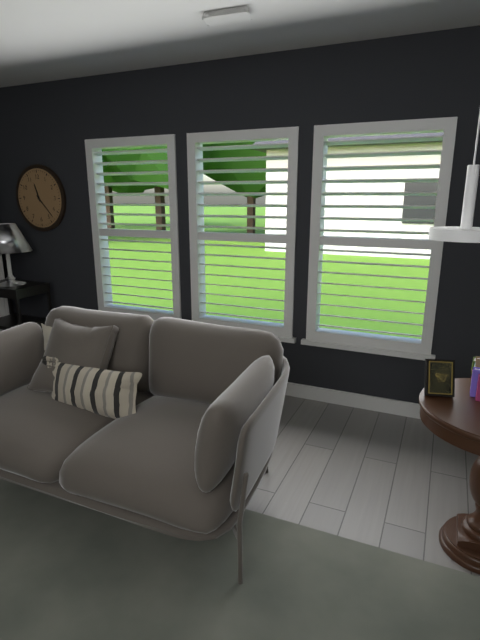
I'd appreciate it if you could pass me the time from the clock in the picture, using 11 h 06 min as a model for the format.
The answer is 11 h 23 min
